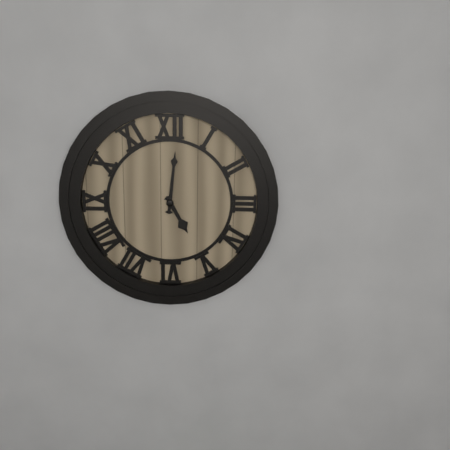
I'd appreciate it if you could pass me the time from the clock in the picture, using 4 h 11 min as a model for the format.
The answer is 5 h 01 min
